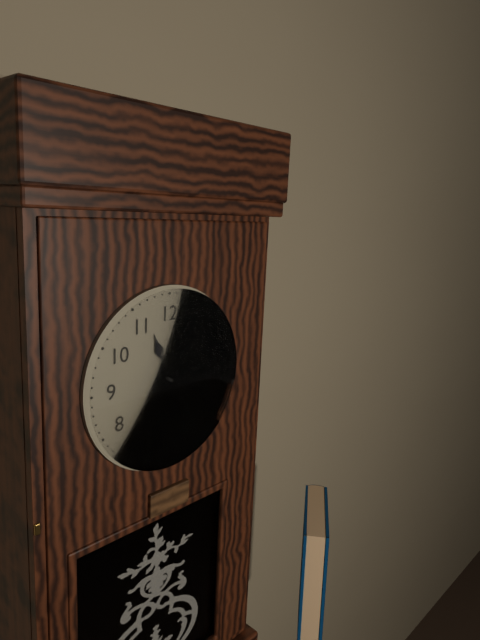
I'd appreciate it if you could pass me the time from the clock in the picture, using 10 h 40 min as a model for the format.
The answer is 11 h 16 min
